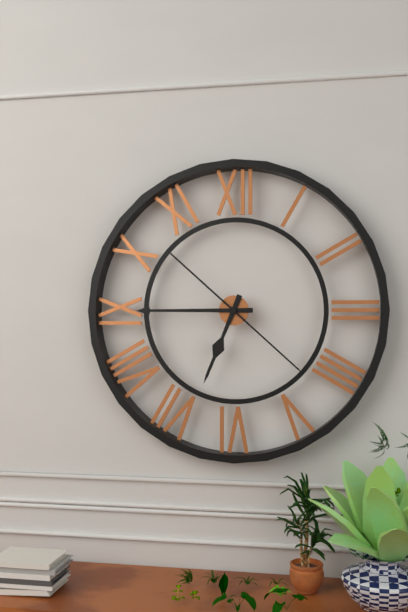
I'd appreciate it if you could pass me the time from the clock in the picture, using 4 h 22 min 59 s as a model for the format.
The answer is 6 h 45 min 22 s
